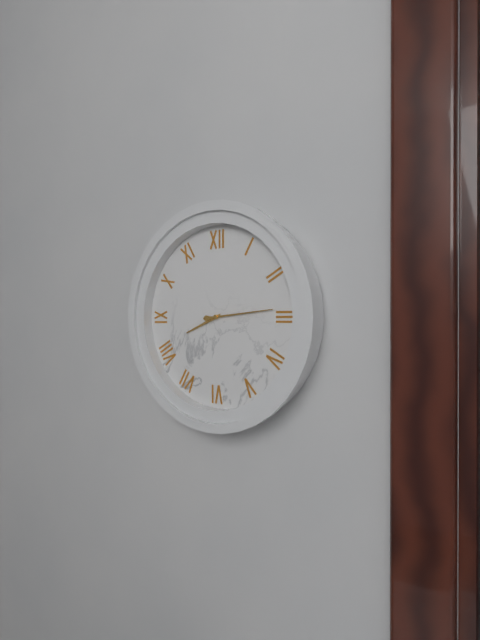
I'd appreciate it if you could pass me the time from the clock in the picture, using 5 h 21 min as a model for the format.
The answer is 8 h 14 min
